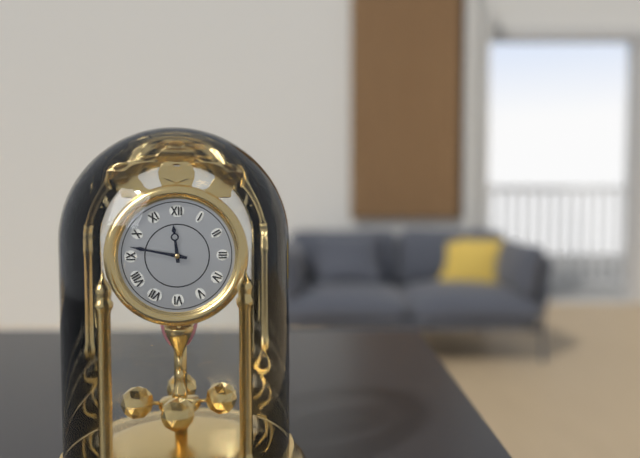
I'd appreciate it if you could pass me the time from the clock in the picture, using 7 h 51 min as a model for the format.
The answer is 11 h 47 min
